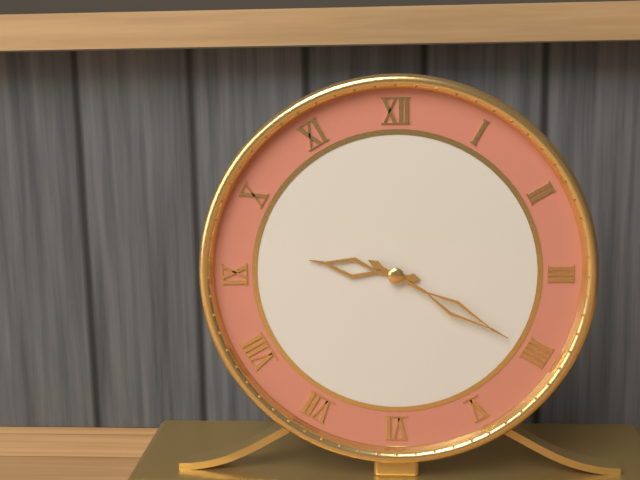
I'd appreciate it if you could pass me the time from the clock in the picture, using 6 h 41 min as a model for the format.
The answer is 9 h 20 min
